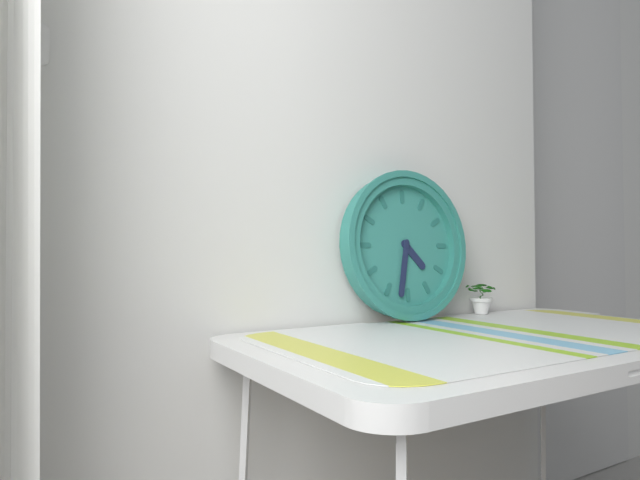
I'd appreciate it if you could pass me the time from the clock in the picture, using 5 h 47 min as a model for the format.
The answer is 4 h 32 min
